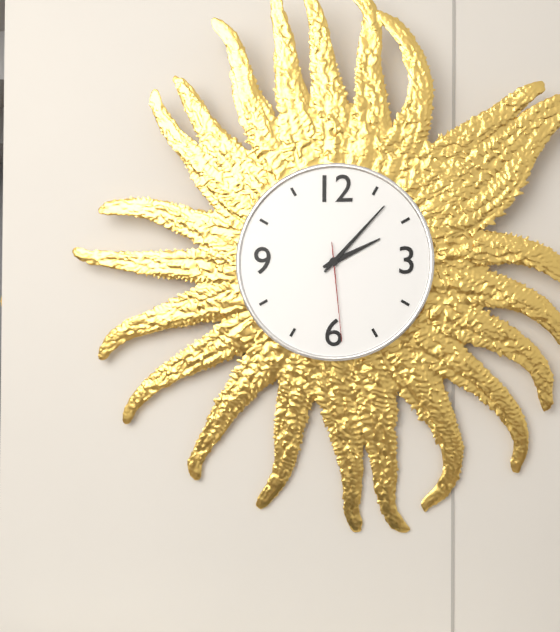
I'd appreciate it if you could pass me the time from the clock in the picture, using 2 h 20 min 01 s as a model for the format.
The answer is 2 h 07 min 29 s
